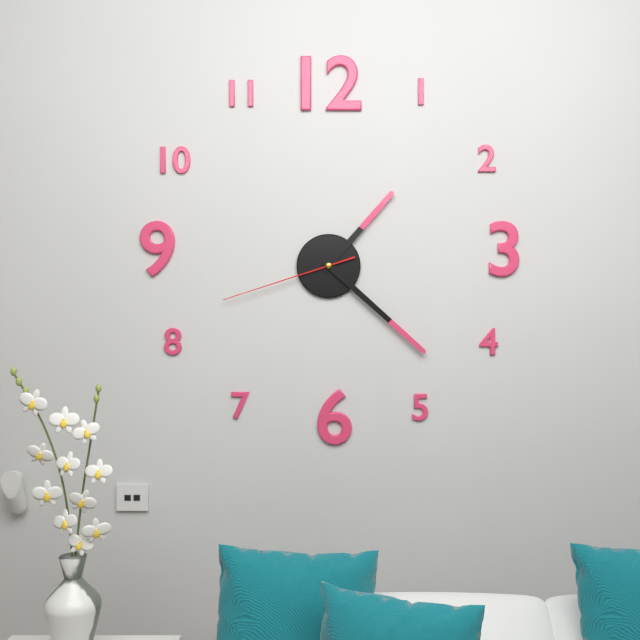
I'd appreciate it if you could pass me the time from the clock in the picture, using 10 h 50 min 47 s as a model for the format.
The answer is 1 h 22 min 42 s
